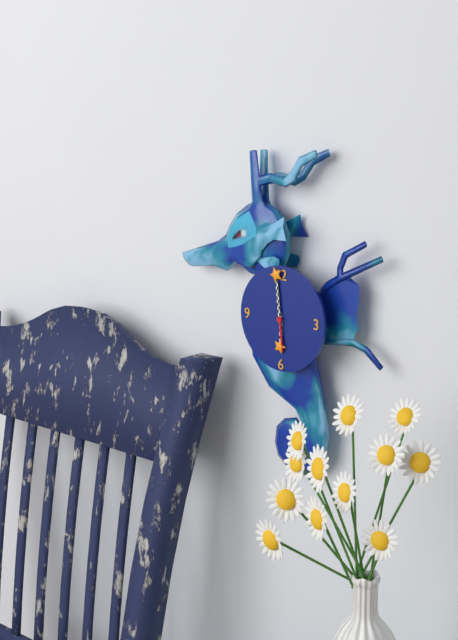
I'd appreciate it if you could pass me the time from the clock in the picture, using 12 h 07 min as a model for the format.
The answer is 5 h 59 min
